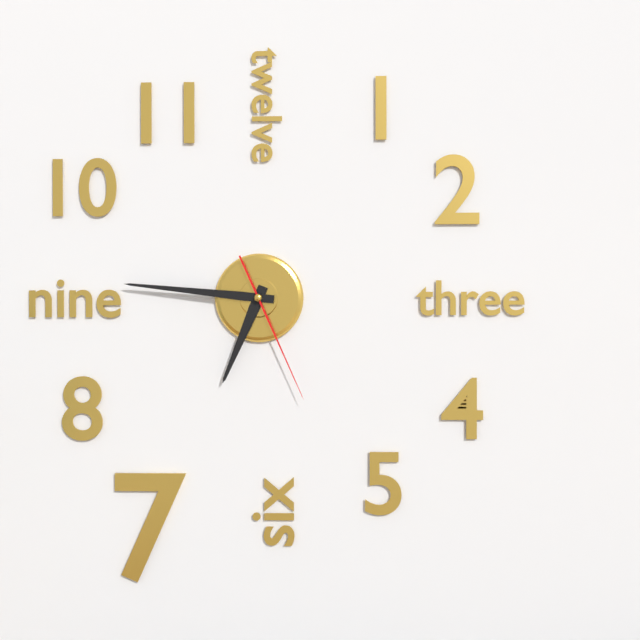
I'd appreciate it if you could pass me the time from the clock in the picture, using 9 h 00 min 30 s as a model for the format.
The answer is 6 h 46 min 26 s
